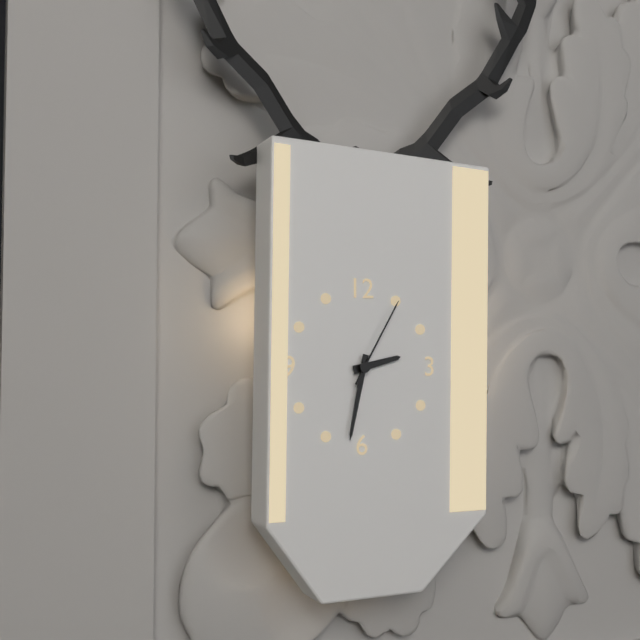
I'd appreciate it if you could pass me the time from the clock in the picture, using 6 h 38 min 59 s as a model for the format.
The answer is 2 h 32 min 05 s
